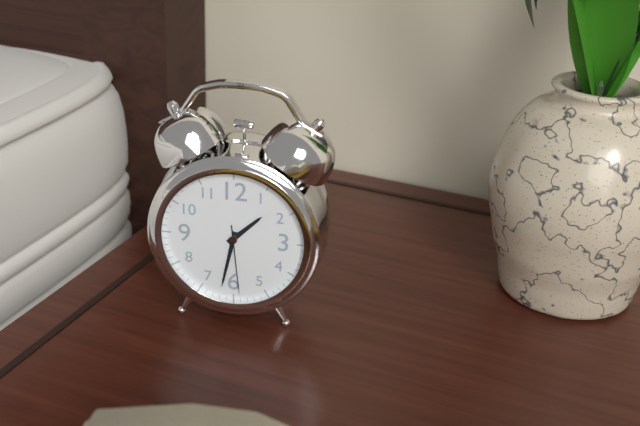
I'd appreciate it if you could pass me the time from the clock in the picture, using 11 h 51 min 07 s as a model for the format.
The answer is 1 h 32 min 29 s
